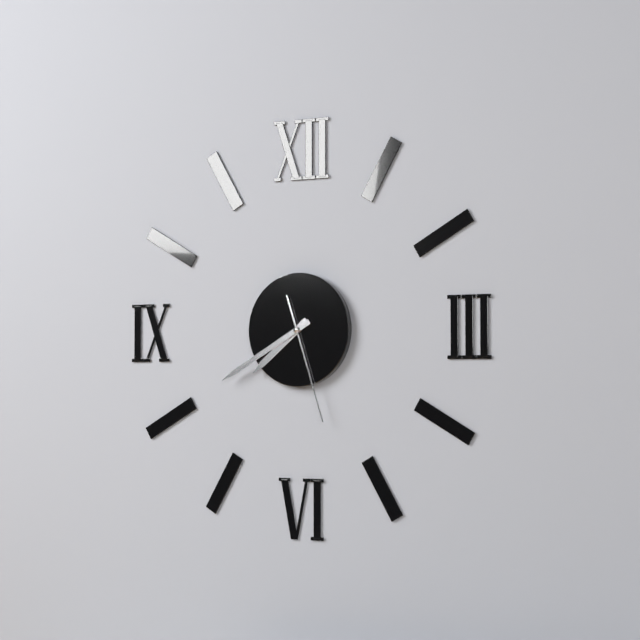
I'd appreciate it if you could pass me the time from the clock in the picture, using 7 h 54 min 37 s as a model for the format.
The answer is 7 h 40 min 27 s
